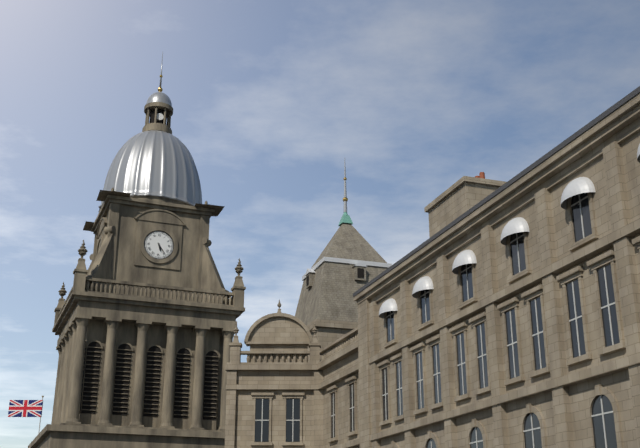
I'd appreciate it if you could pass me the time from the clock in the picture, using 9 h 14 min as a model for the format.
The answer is 5 h 24 min
